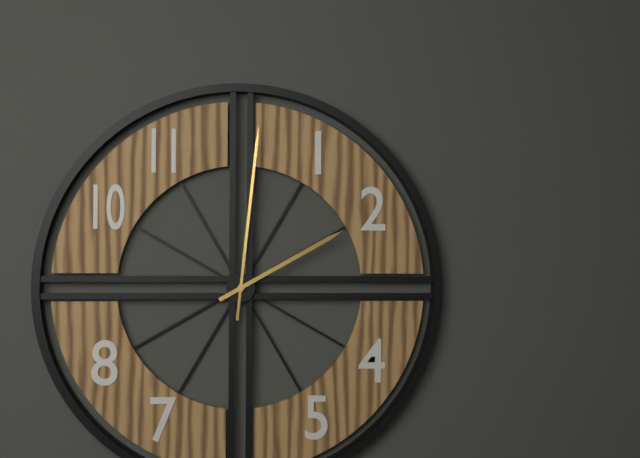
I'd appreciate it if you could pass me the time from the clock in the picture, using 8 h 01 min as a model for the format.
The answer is 2 h 01 min
